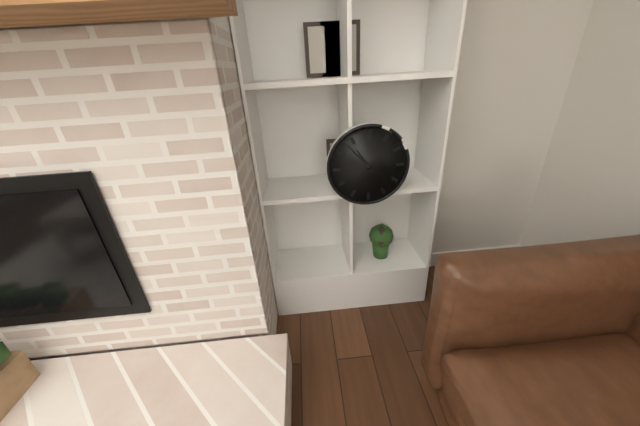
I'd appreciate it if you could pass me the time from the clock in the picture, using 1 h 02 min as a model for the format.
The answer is 10 h 53 min
